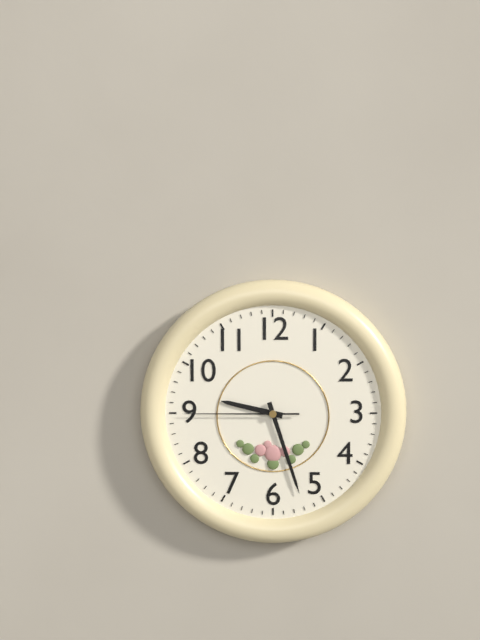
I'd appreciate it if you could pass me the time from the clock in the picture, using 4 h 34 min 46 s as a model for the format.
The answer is 9 h 27 min 45 s
